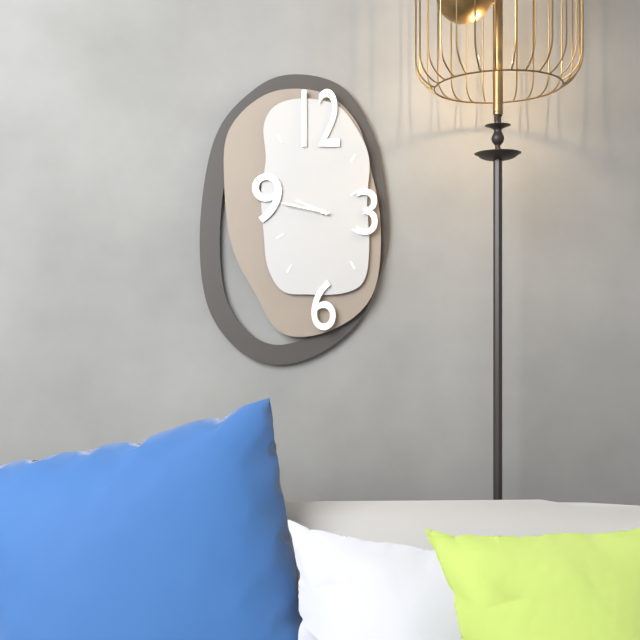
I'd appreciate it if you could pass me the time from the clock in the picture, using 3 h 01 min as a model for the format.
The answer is 9 h 47 min
